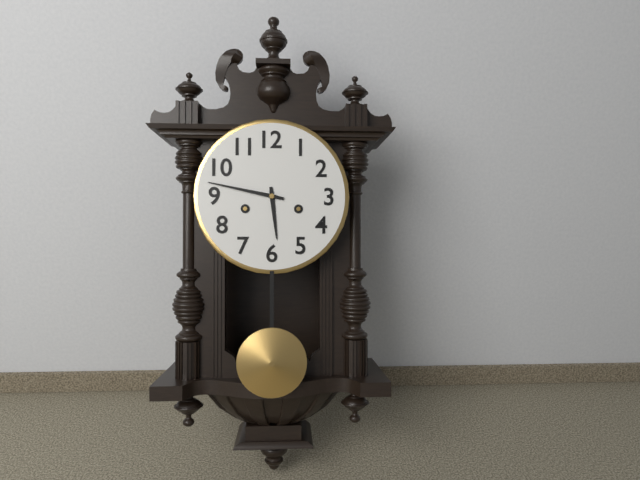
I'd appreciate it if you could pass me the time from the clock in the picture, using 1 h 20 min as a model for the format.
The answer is 5 h 47 min
